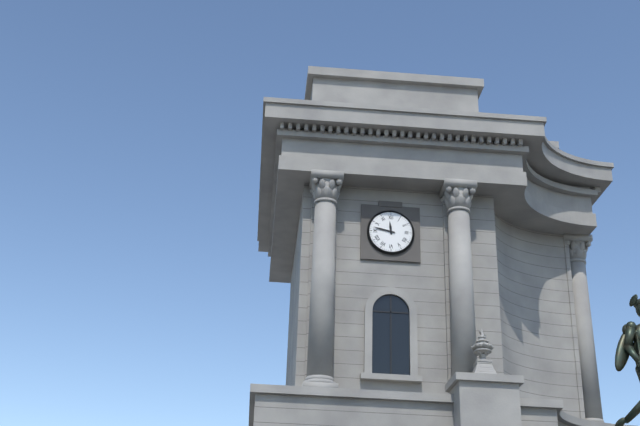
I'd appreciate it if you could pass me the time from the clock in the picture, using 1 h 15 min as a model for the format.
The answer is 11 h 47 min
